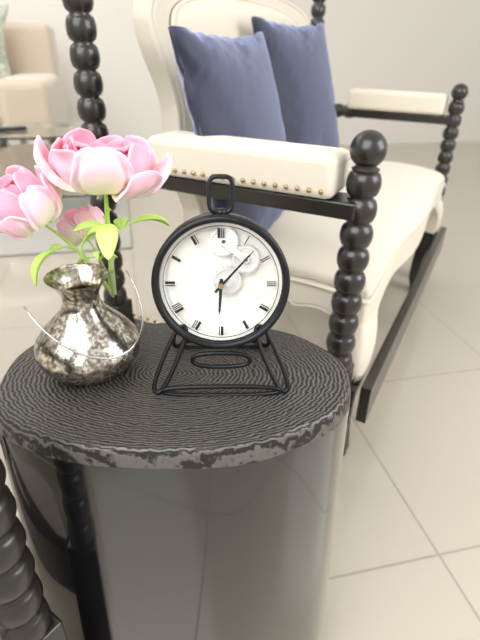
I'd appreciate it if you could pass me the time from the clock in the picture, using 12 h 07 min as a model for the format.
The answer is 6 h 07 min
